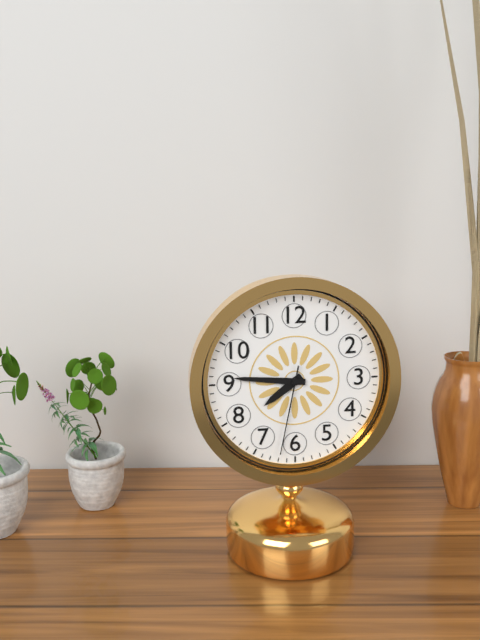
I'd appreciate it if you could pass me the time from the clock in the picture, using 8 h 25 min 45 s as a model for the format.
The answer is 7 h 46 min 32 s
